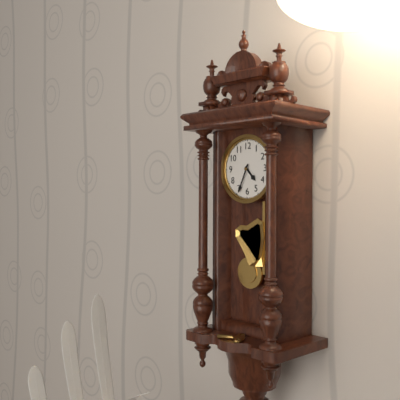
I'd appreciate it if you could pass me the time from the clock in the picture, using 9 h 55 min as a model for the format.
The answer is 4 h 34 min
